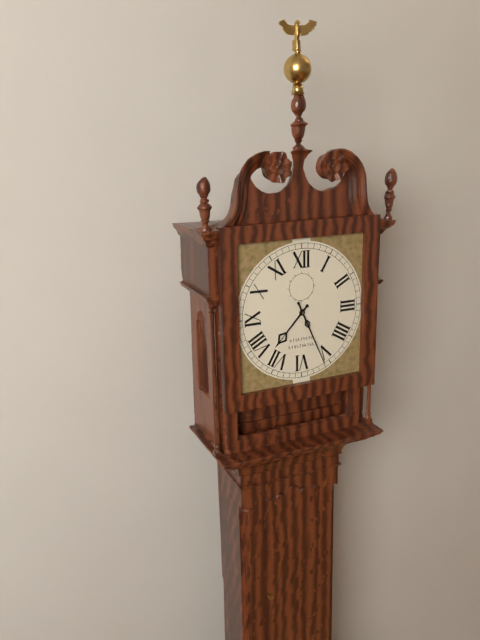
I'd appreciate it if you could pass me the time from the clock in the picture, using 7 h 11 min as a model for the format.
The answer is 7 h 26 min
